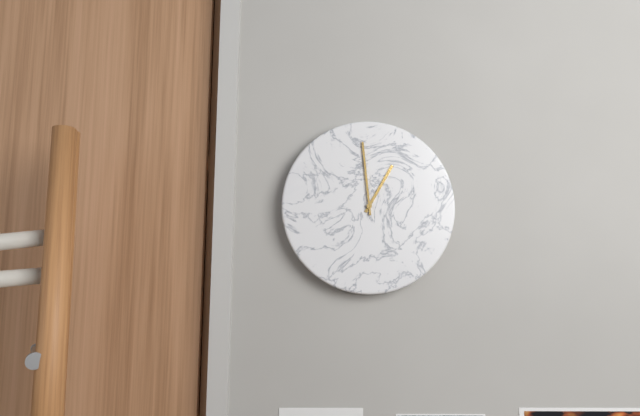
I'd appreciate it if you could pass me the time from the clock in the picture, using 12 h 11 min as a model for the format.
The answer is 12 h 59 min
